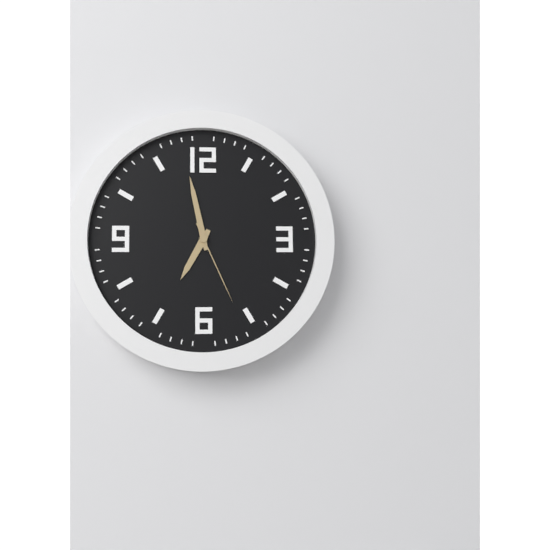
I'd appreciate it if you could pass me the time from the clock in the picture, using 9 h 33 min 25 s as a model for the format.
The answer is 6 h 58 min 26 s
